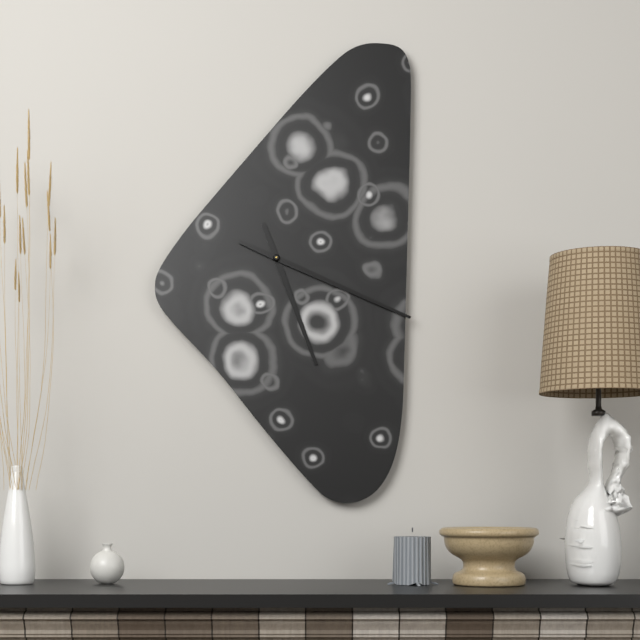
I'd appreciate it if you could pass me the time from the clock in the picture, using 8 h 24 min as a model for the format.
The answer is 5 h 19 min
